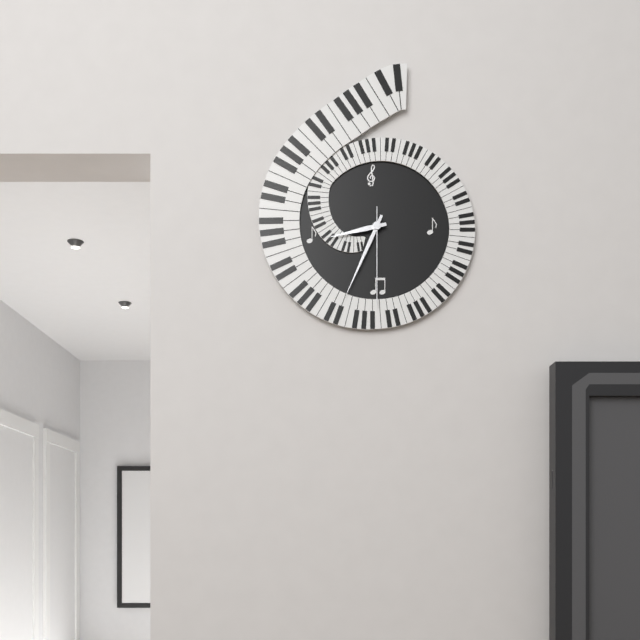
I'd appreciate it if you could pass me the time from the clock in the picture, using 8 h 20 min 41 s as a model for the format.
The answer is 8 h 34 min 30 s
